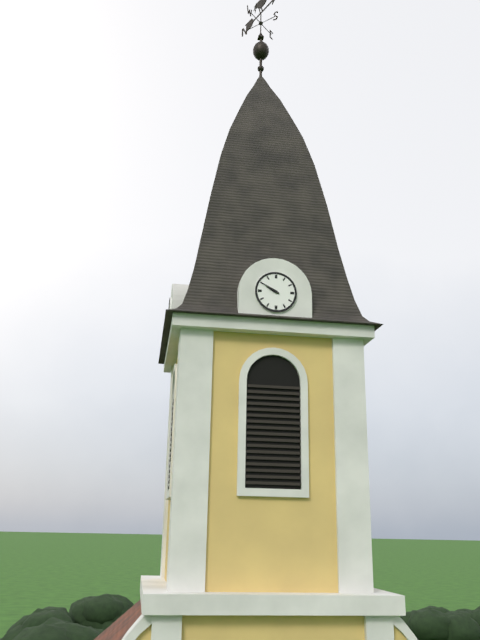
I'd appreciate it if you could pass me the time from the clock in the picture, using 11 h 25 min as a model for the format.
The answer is 9 h 50 min
